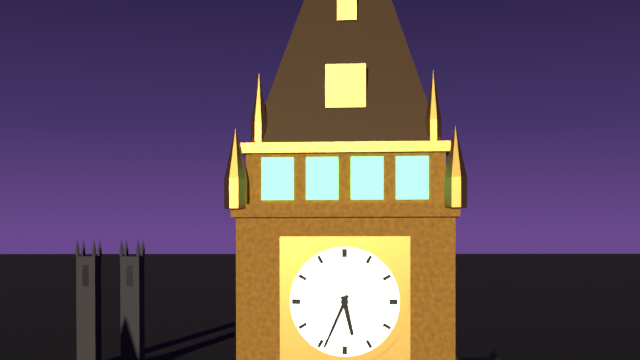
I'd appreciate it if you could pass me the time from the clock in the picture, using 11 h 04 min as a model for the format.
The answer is 5 h 34 min
